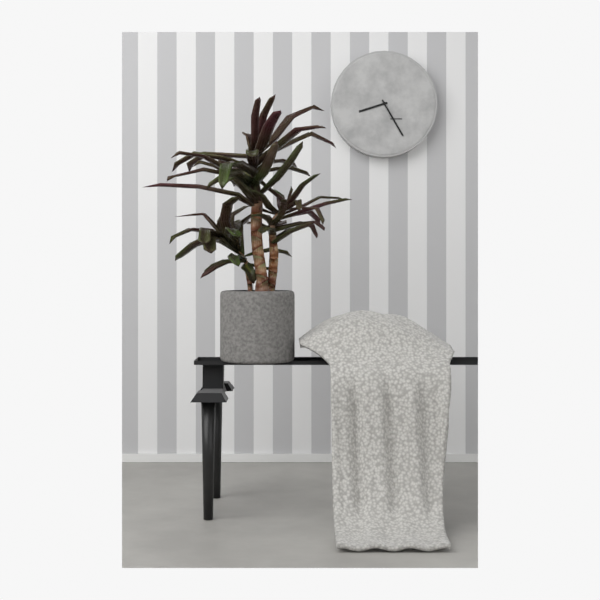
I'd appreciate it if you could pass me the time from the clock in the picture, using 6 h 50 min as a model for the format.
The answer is 8 h 25 min
